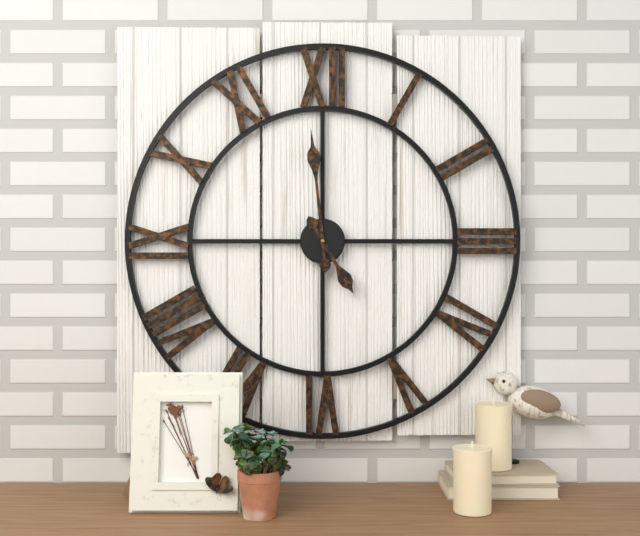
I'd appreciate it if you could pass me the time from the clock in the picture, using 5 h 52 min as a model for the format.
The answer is 4 h 59 min
